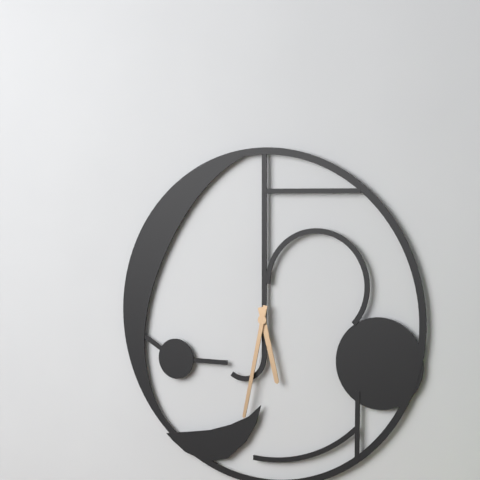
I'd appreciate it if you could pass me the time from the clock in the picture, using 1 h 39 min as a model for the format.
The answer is 5 h 32 min
